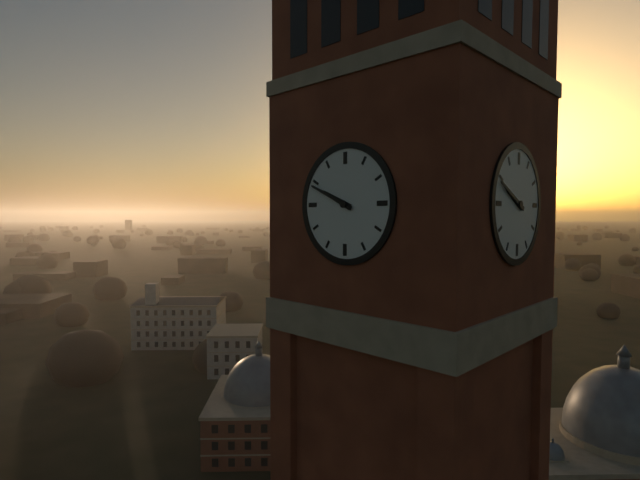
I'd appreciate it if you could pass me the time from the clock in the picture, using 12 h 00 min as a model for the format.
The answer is 9 h 49 min
